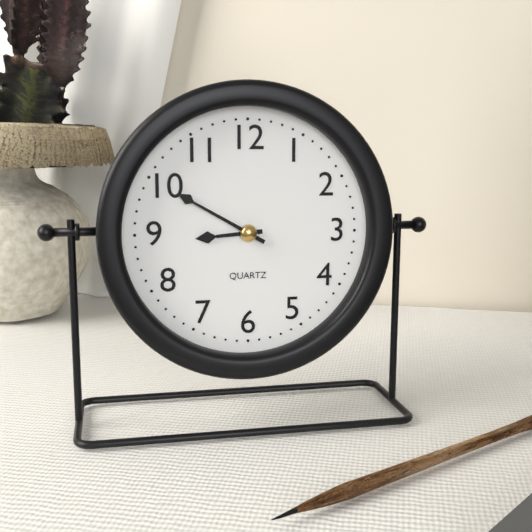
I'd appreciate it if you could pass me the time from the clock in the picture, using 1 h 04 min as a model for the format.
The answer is 8 h 50 min
